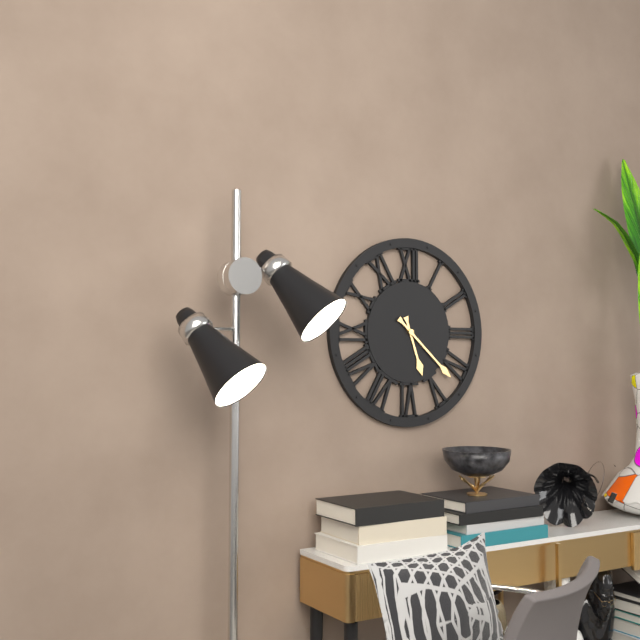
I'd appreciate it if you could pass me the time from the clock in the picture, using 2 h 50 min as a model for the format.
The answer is 5 h 22 min
